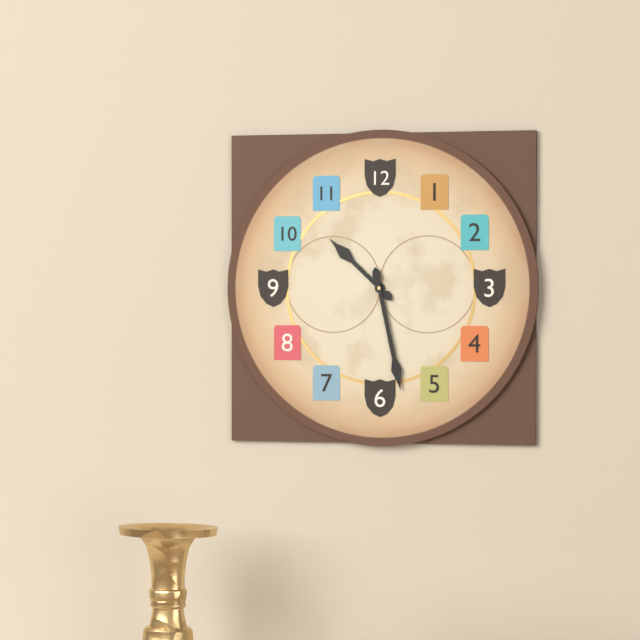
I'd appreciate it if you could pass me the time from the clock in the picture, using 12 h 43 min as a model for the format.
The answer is 10 h 28 min
